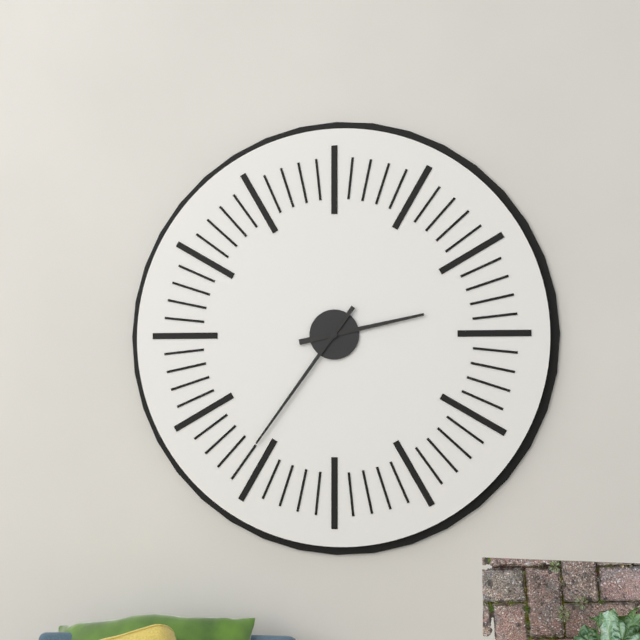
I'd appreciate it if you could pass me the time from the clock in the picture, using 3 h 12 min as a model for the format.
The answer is 2 h 36 min
